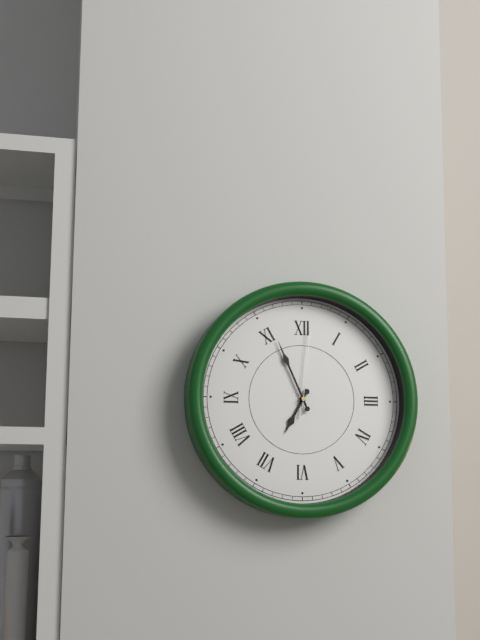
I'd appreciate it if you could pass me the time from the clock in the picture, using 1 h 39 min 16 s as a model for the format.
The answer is 6 h 56 min 01 s
